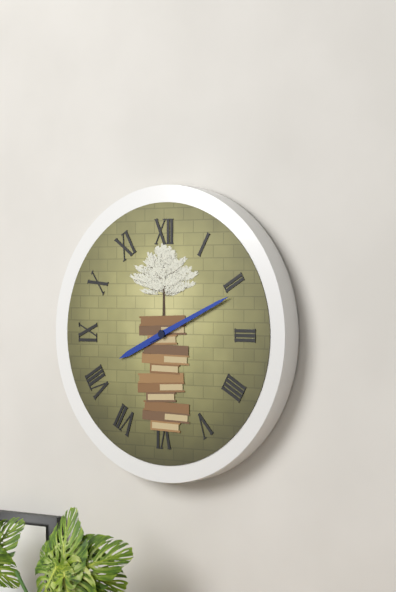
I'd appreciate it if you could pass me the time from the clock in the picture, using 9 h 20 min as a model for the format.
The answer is 8 h 11 min
